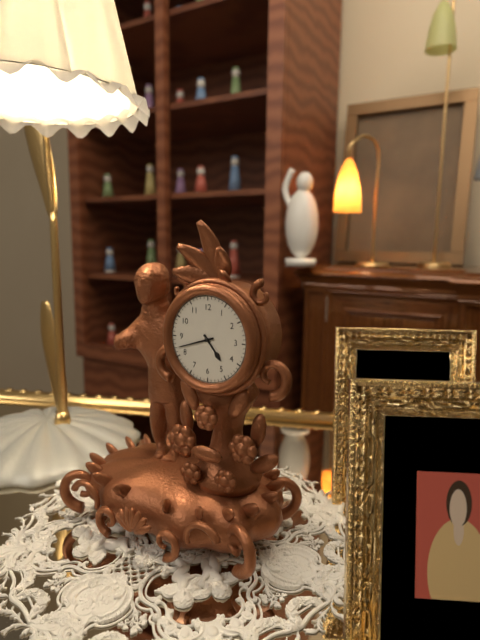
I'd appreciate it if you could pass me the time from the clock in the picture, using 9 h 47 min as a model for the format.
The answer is 4 h 42 min
